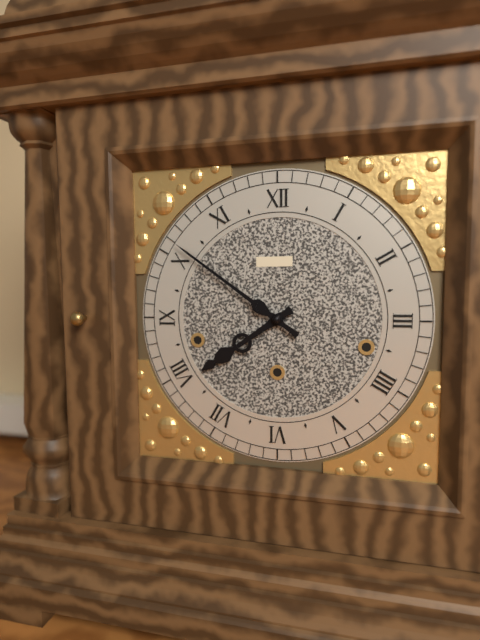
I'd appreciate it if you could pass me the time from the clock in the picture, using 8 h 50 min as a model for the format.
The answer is 7 h 51 min
